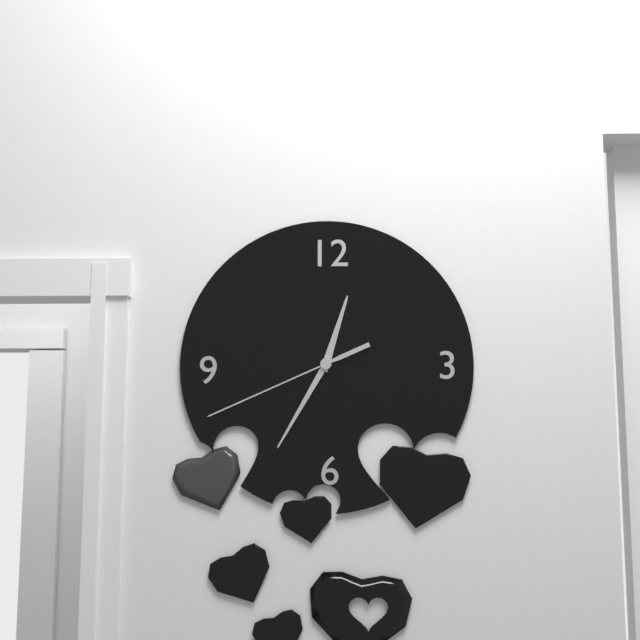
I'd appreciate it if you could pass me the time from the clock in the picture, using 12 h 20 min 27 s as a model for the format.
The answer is 12 h 35 min 41 s
